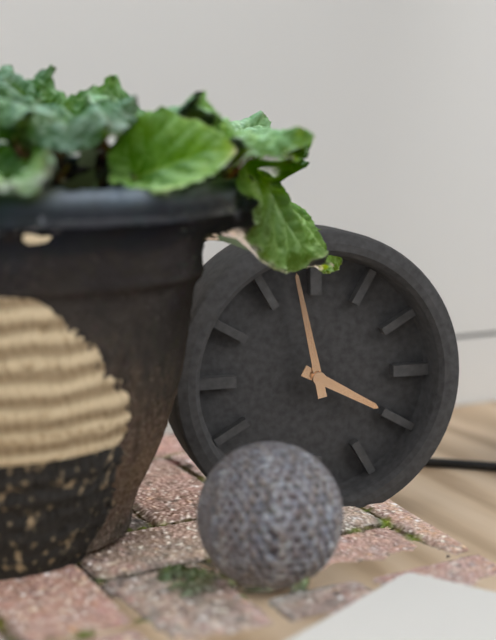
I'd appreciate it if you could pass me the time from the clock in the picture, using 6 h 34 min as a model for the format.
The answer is 3 h 58 min
